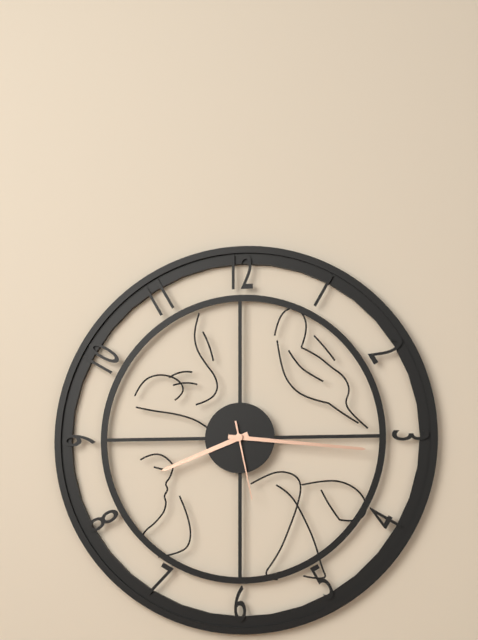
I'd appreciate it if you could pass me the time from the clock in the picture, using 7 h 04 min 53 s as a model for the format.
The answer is 8 h 16 min 28 s
